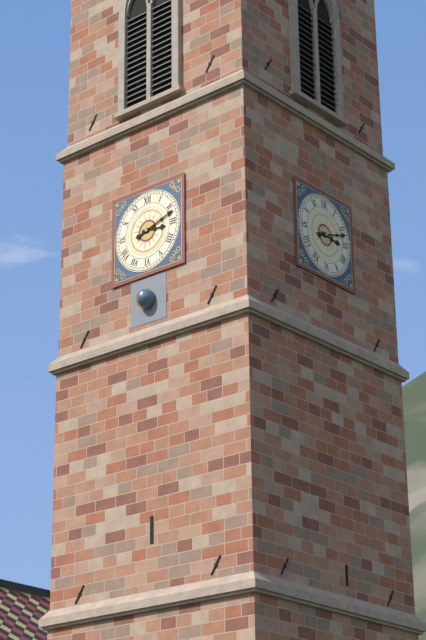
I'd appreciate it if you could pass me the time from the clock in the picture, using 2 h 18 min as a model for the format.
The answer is 3 h 12 min
